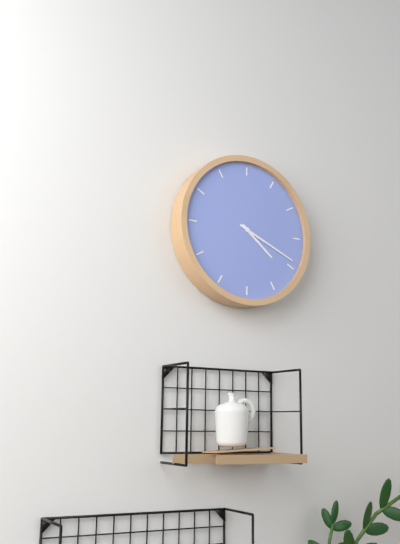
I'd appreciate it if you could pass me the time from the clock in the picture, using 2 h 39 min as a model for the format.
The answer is 4 h 19 min
